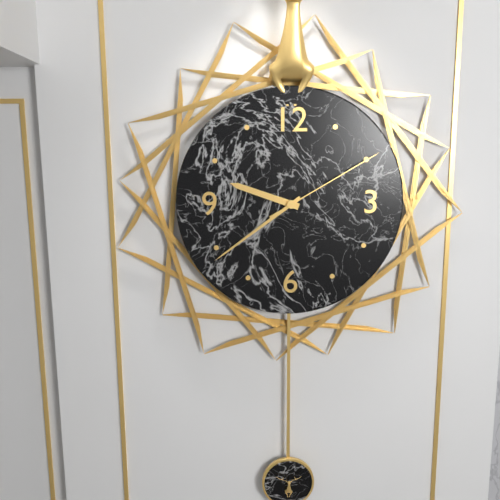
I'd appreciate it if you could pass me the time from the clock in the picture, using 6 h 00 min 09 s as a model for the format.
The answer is 9 h 39 min 10 s
